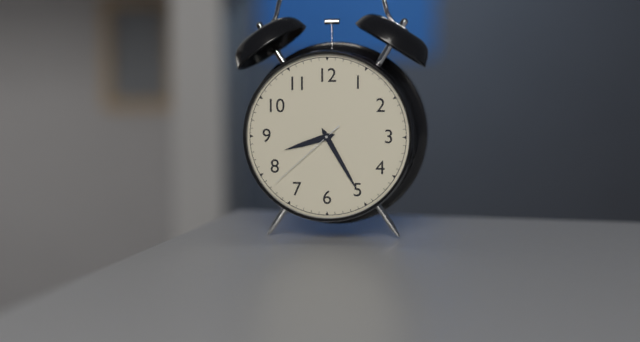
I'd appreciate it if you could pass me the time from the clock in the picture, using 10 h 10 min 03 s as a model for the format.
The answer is 8 h 25 min 38 s
